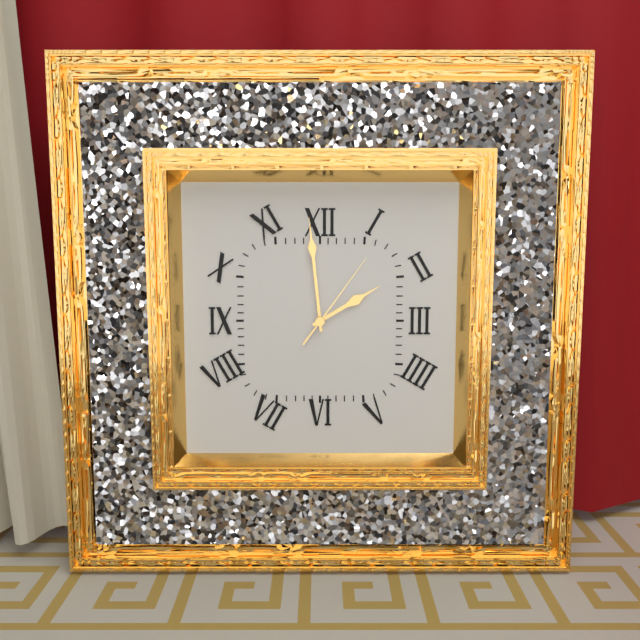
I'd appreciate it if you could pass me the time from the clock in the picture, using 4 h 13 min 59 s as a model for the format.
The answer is 1 h 59 min 06 s
